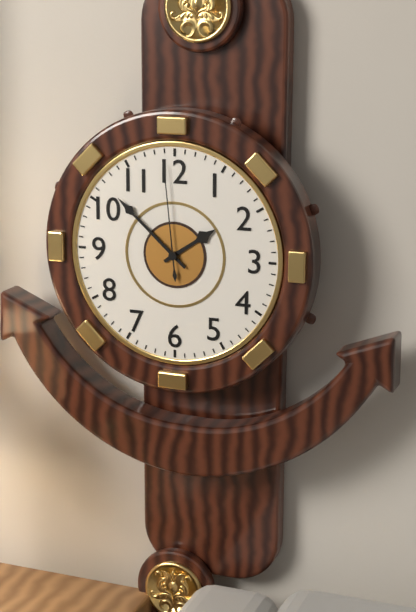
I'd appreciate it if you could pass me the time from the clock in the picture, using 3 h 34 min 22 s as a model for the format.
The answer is 1 h 52 min 59 s
